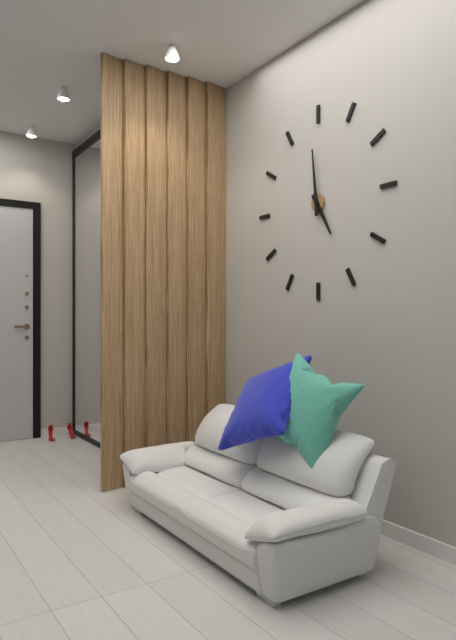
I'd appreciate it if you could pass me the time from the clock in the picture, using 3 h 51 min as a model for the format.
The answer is 4 h 59 min
